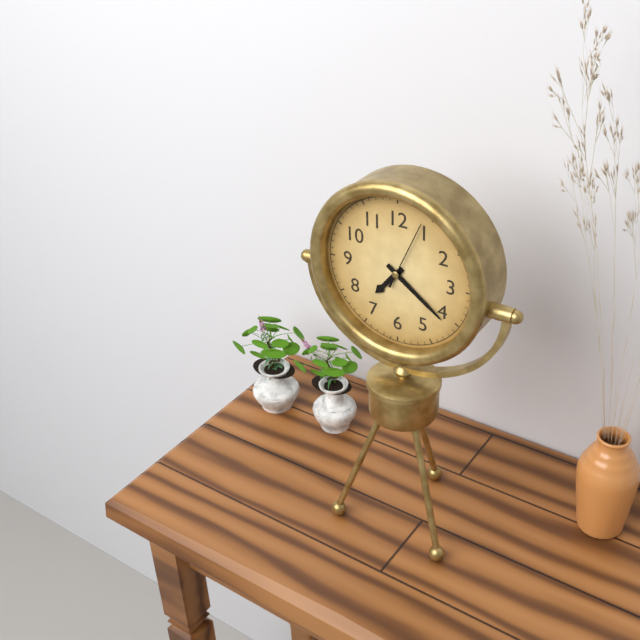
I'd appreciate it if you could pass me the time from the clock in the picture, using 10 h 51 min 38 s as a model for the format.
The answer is 7 h 21 min 04 s
